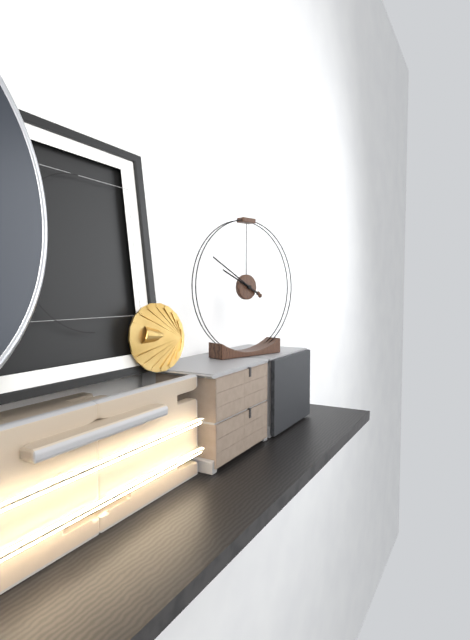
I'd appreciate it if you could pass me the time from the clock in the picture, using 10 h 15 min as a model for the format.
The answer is 9 h 50 min
